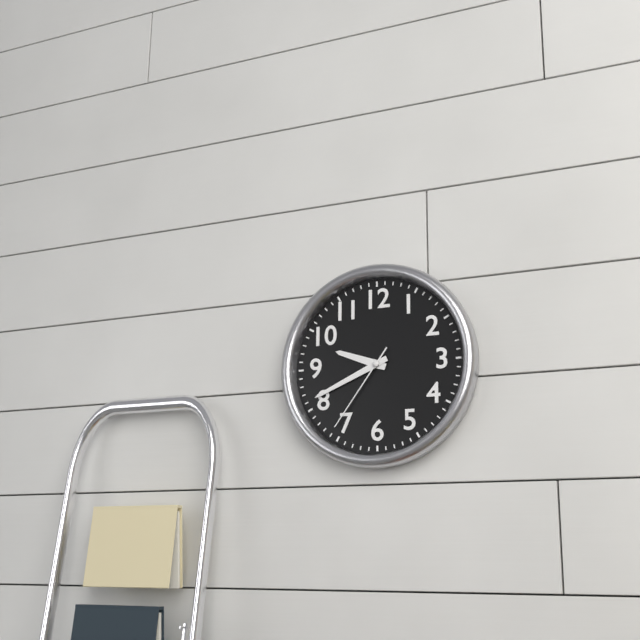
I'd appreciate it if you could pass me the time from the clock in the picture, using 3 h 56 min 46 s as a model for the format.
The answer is 9 h 41 min 36 s
